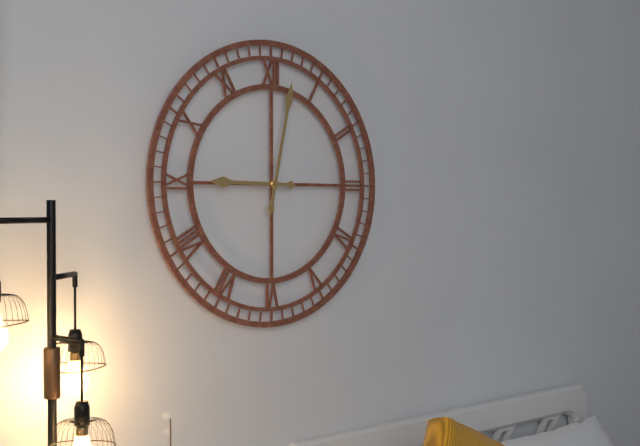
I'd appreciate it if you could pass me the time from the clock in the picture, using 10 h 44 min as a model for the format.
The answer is 9 h 02 min
